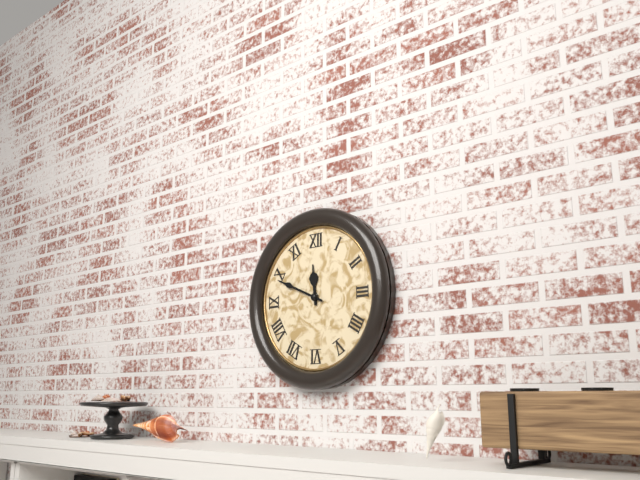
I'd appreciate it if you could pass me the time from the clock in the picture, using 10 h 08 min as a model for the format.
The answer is 11 h 49 min
